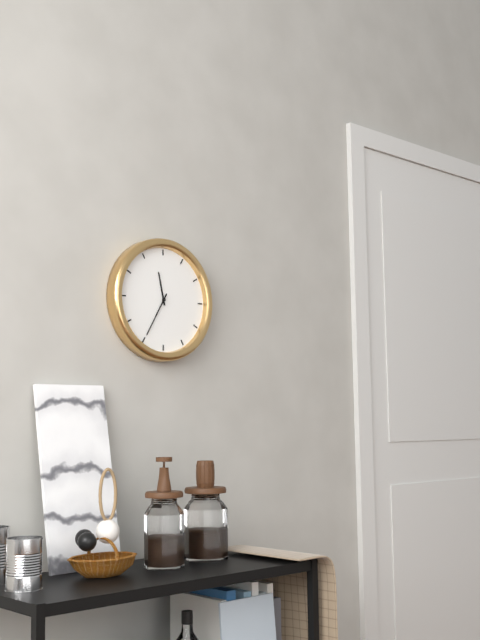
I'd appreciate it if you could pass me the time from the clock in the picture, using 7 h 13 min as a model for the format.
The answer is 11 h 35 min
